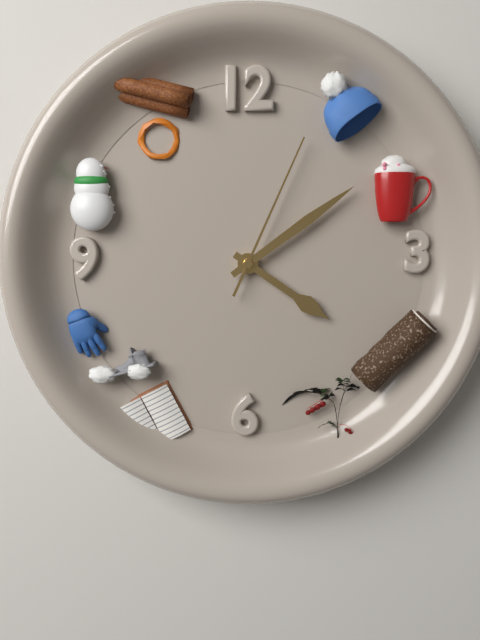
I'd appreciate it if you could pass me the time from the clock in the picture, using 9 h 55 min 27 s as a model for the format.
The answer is 4 h 09 min 04 s
